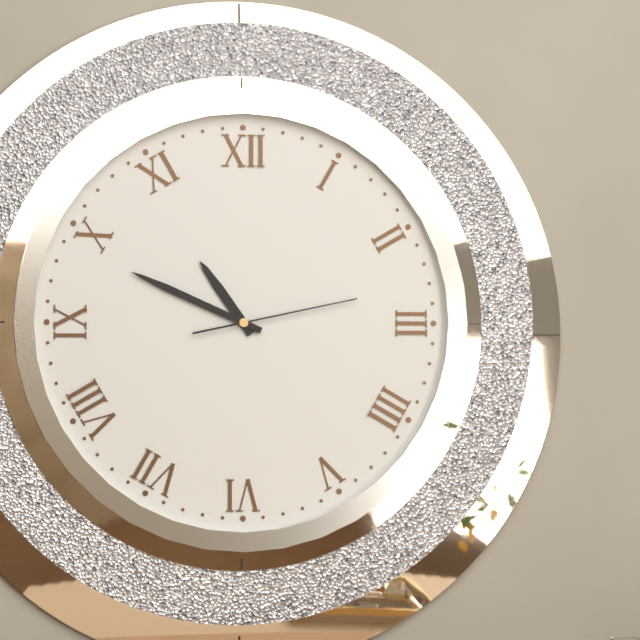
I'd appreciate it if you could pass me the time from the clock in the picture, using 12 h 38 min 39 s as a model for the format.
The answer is 10 h 49 min 13 s
